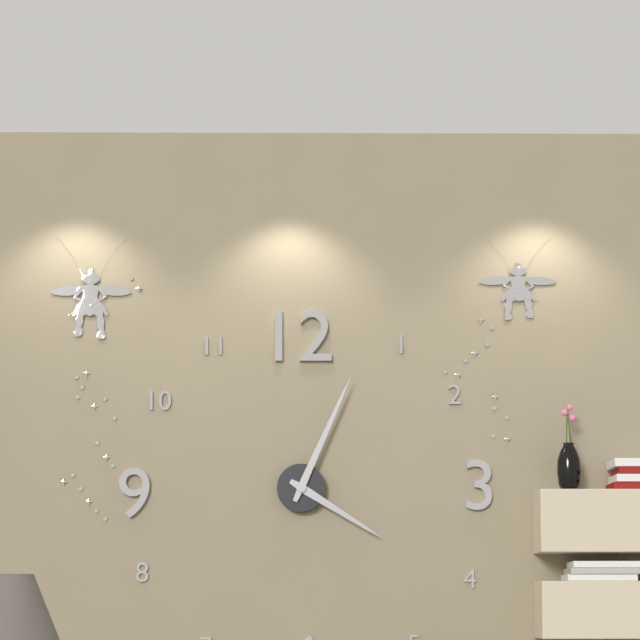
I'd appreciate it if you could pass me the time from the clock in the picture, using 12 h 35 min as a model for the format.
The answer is 4 h 04 min
